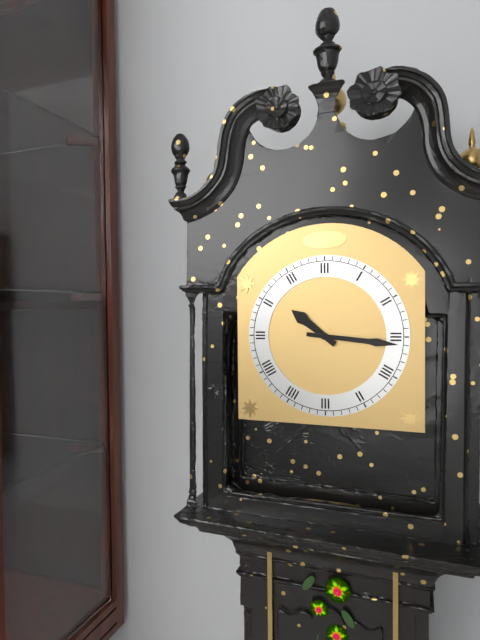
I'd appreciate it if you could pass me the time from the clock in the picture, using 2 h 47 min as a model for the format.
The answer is 10 h 16 min
